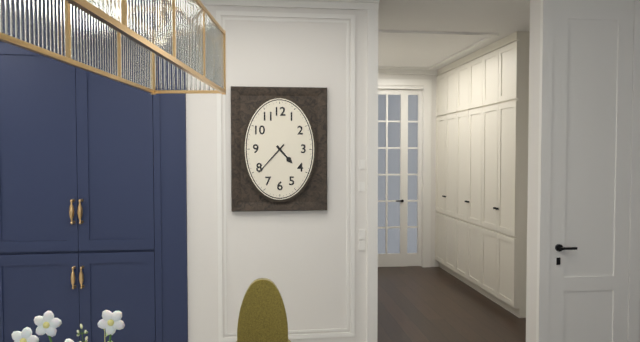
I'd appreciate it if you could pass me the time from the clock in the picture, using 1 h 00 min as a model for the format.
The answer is 4 h 37 min
